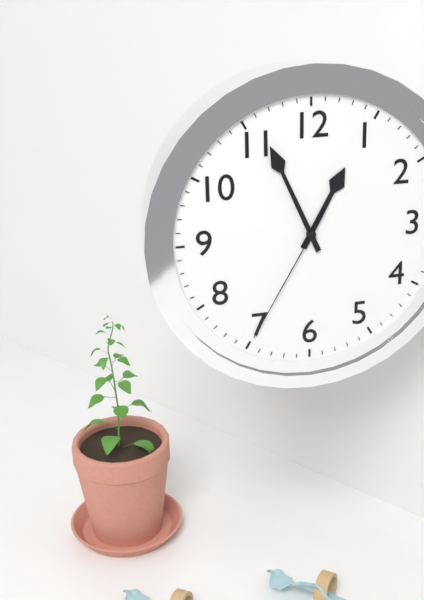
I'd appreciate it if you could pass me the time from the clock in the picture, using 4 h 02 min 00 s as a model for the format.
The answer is 12 h 56 min 35 s
